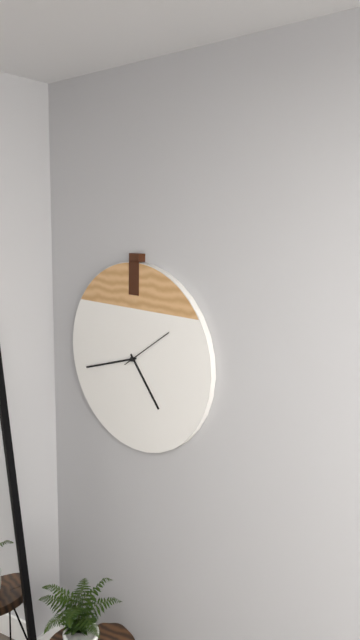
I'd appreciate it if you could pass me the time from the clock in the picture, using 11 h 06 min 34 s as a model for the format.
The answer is 4 h 42 min 09 s
